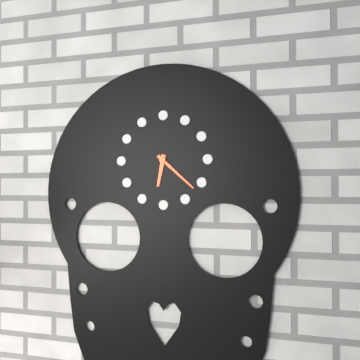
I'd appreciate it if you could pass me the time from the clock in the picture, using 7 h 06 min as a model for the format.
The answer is 6 h 22 min
